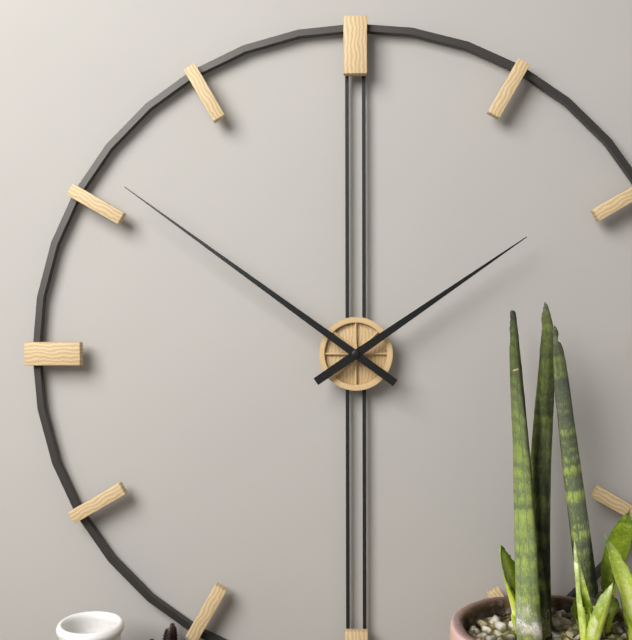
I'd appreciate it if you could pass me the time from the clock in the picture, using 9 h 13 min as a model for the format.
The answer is 1 h 51 min
